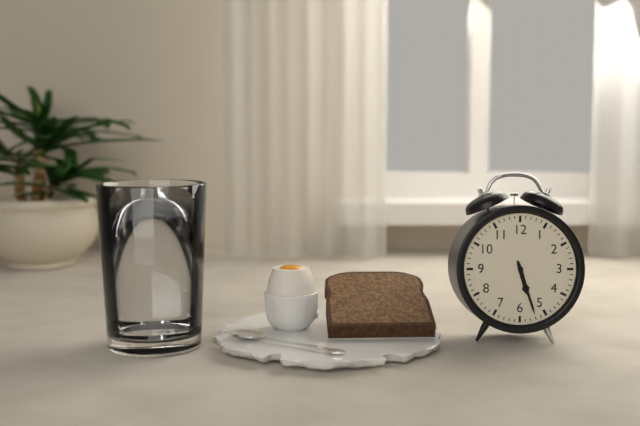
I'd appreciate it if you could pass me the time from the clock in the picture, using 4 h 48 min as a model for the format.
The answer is 5 h 27 min
